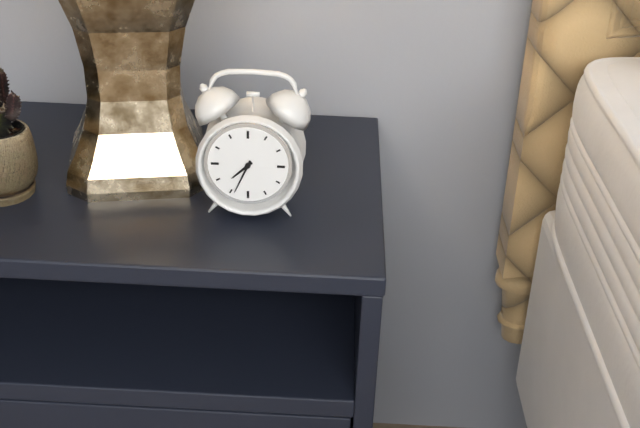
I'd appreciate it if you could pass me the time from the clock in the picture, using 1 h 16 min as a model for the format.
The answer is 7 h 34 min
